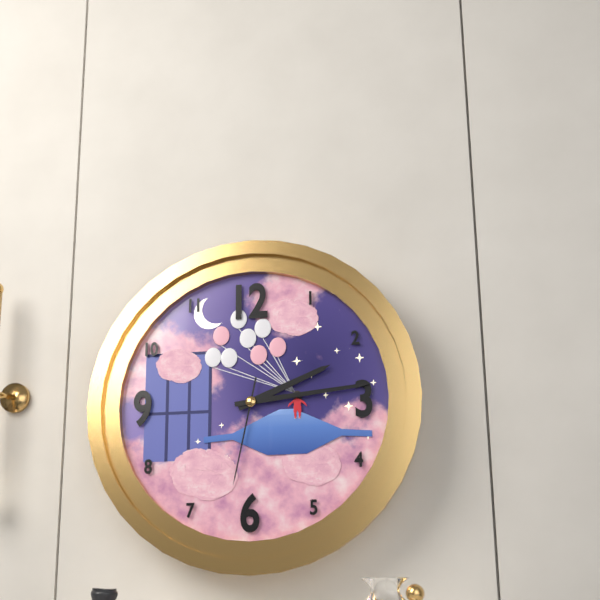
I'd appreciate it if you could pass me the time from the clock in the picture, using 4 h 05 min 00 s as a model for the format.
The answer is 2 h 14 min 32 s
